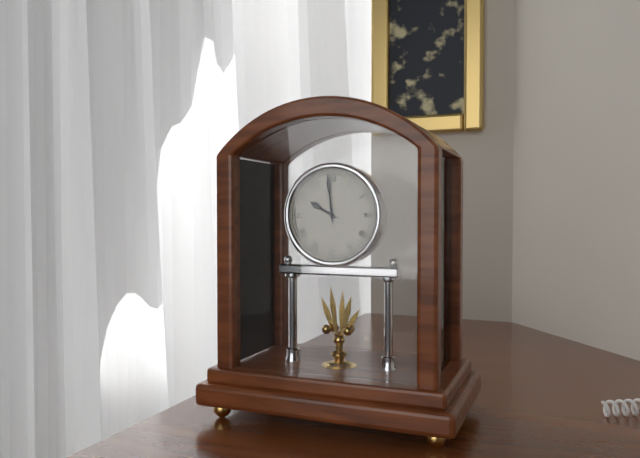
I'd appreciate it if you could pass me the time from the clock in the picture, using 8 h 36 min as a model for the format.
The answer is 9 h 59 min
